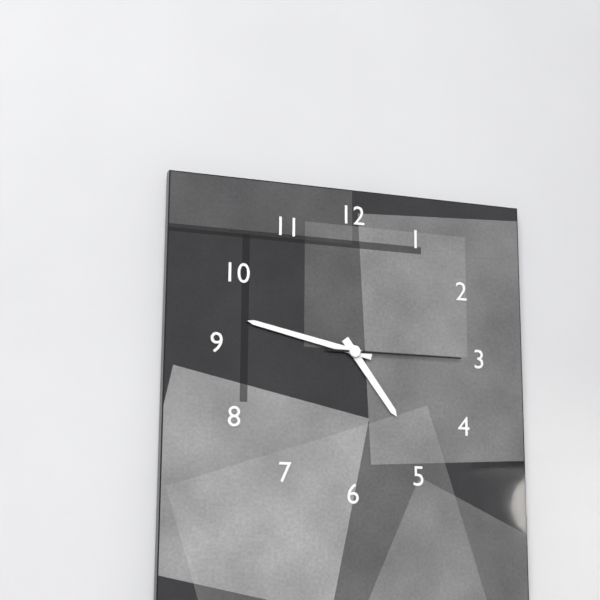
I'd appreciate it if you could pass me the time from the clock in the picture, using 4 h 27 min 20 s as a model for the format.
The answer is 4 h 47 min 15 s
